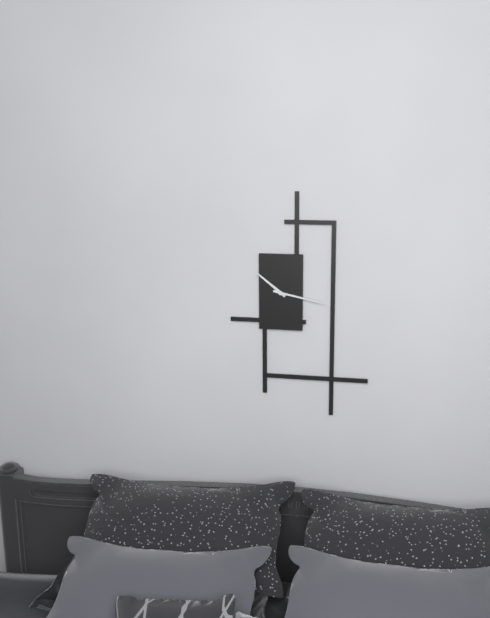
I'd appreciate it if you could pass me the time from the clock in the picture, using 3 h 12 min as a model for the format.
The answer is 10 h 17 min
